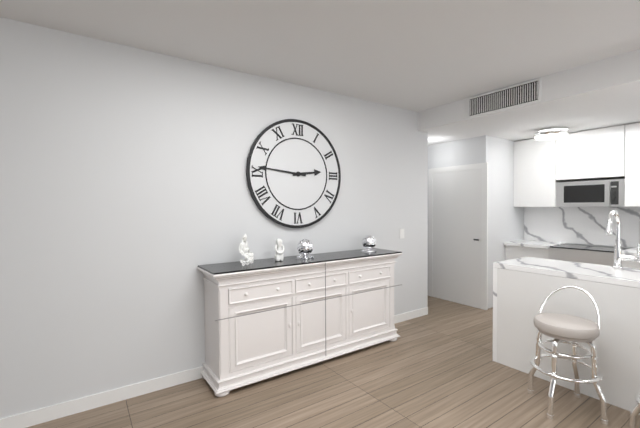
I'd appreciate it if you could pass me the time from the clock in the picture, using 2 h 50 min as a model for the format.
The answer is 2 h 46 min
